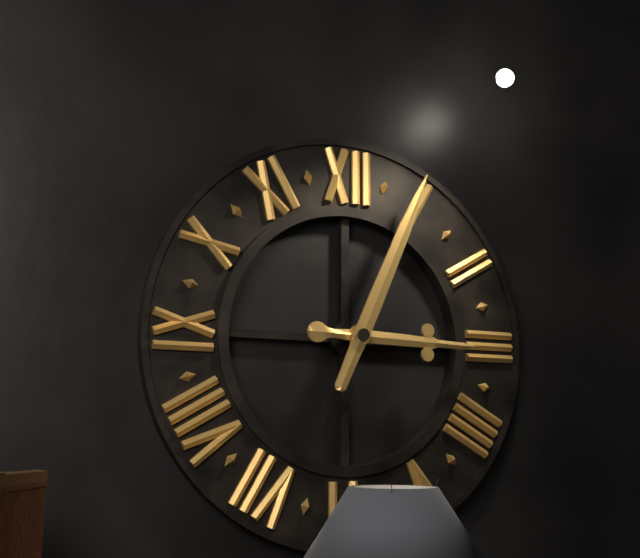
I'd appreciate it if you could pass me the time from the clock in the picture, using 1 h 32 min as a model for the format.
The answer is 3 h 04 min
